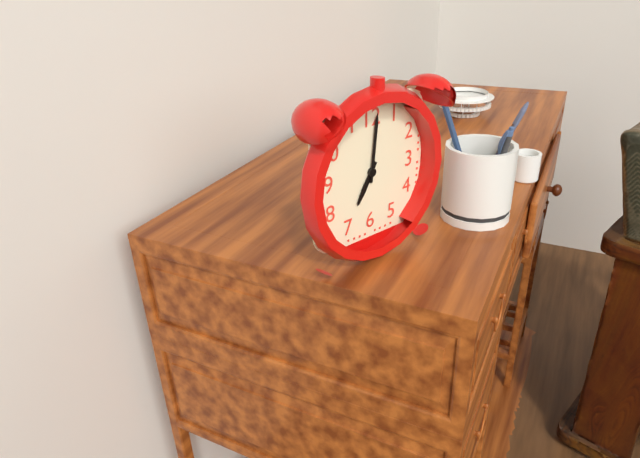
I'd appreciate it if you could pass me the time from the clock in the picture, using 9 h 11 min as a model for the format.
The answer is 7 h 01 min
